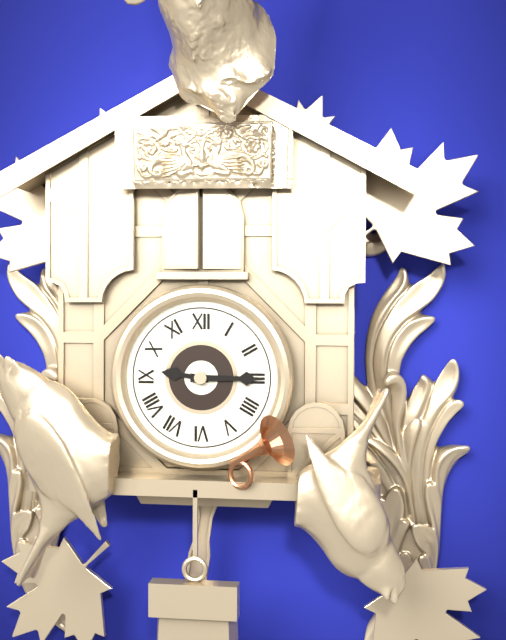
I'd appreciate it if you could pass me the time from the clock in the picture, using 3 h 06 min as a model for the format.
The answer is 9 h 15 min
